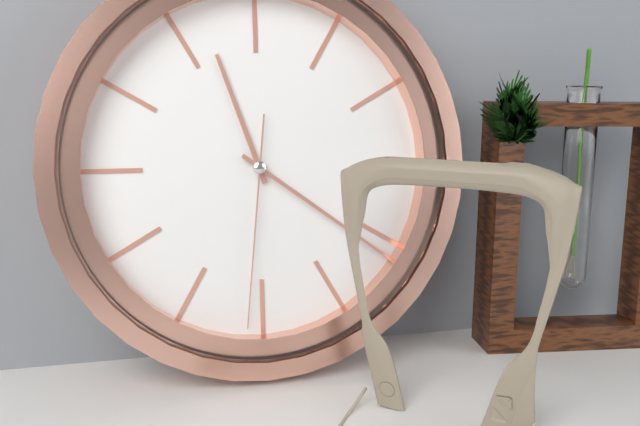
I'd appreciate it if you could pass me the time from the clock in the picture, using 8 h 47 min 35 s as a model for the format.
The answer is 11 h 21 min 31 s
